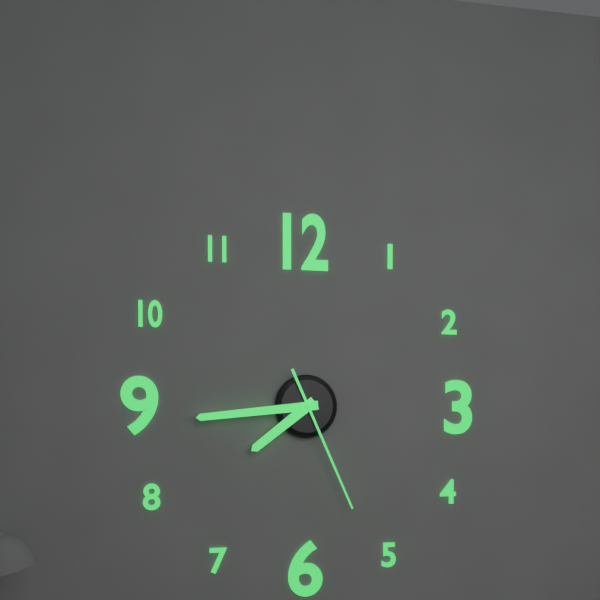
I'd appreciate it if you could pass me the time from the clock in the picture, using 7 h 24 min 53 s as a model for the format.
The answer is 7 h 44 min 26 s
